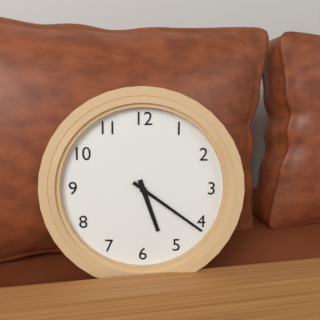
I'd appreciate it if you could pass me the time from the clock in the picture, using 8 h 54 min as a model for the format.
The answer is 5 h 21 min
